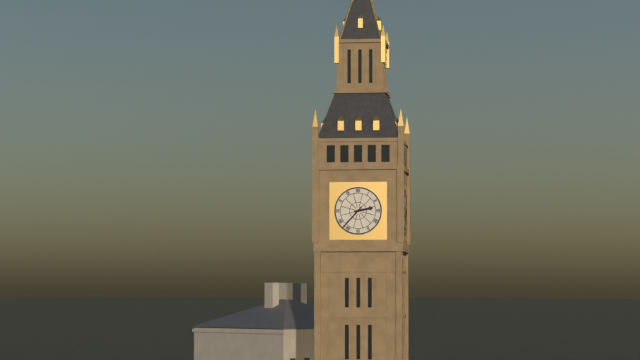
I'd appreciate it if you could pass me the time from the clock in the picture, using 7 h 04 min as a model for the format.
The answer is 2 h 37 min
